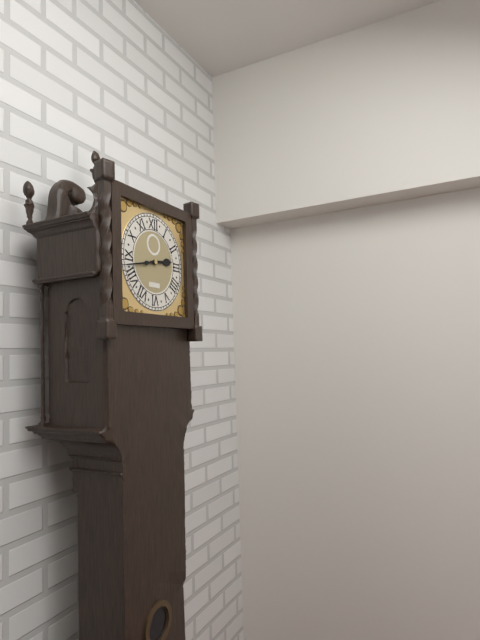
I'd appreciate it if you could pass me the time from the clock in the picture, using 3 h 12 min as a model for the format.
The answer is 2 h 43 min
